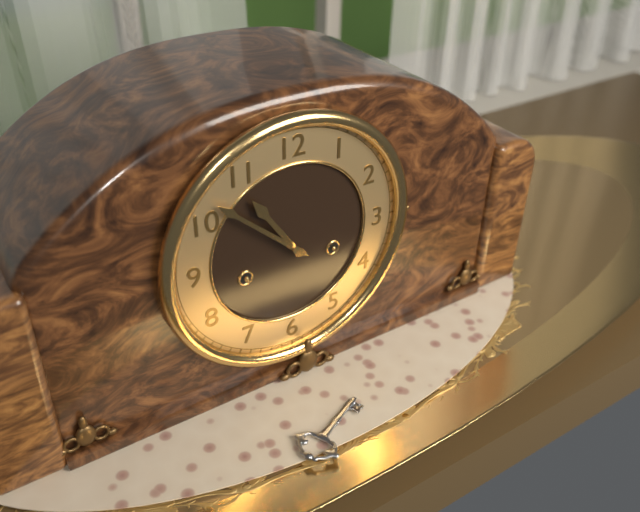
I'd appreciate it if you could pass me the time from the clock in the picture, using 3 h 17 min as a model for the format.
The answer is 10 h 52 min
